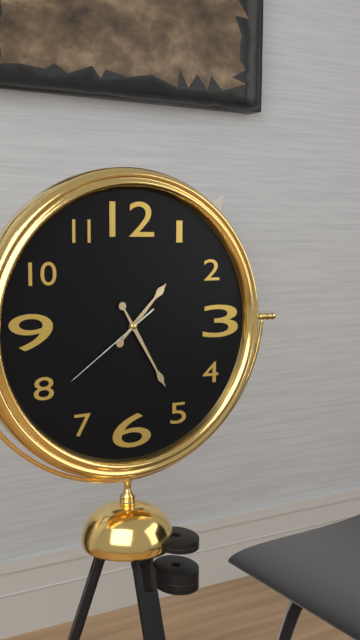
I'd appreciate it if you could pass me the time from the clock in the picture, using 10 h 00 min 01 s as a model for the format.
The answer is 1 h 25 min 39 s
